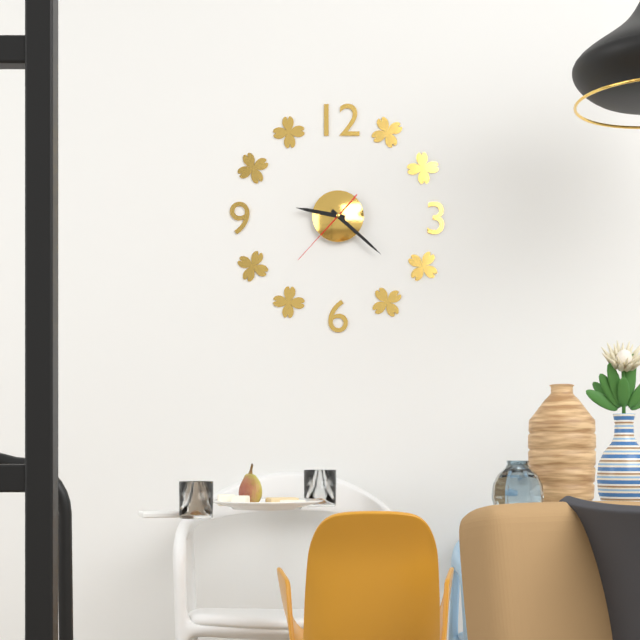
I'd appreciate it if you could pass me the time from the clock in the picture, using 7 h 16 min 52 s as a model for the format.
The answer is 9 h 22 min 37 s
